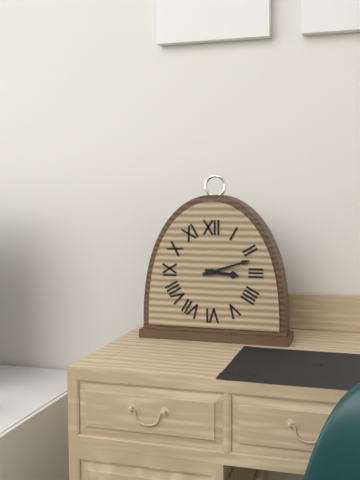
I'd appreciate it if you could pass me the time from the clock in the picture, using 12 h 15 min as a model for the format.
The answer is 3 h 12 min
